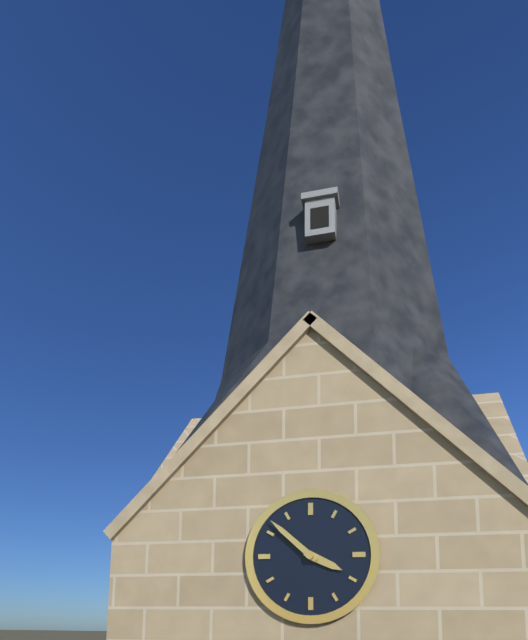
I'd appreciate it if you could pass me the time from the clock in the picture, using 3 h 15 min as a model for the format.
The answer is 3 h 52 min
